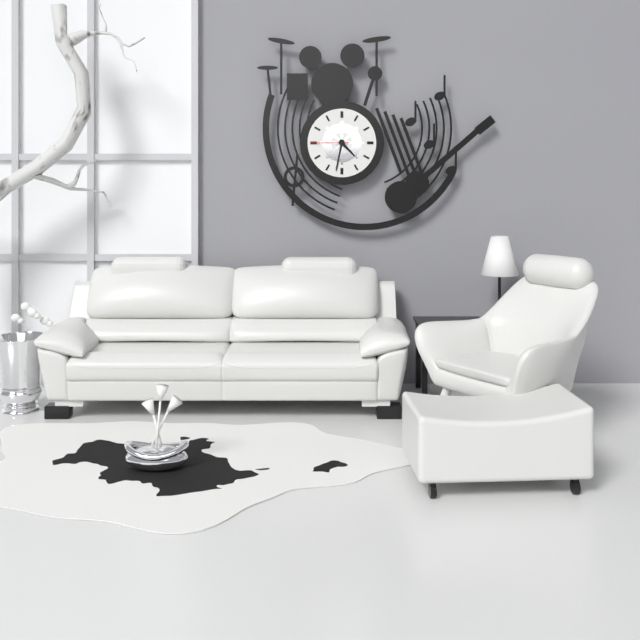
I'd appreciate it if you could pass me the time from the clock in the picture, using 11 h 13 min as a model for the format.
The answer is 4 h 32 min
